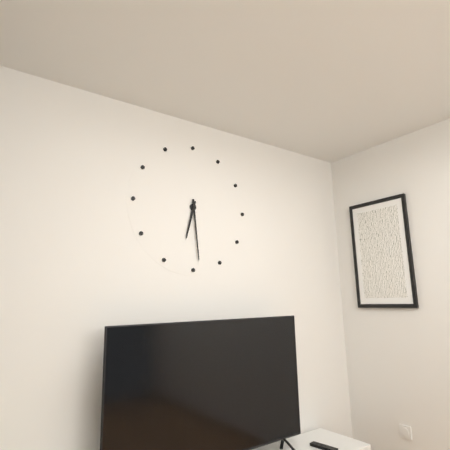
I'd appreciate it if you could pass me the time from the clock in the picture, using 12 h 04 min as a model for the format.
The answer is 6 h 29 min
